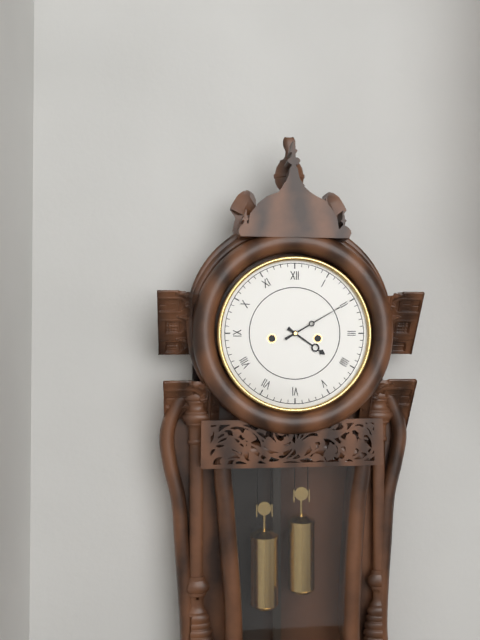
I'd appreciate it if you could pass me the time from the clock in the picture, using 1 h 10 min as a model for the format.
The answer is 4 h 10 min
